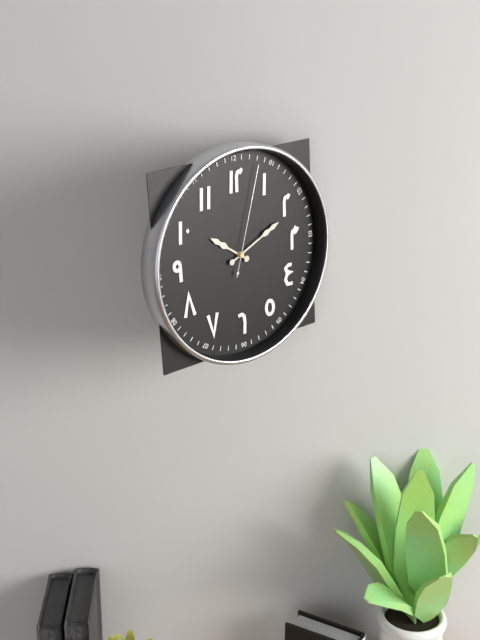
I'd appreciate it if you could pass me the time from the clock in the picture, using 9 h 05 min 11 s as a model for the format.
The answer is 10 h 11 min 03 s
